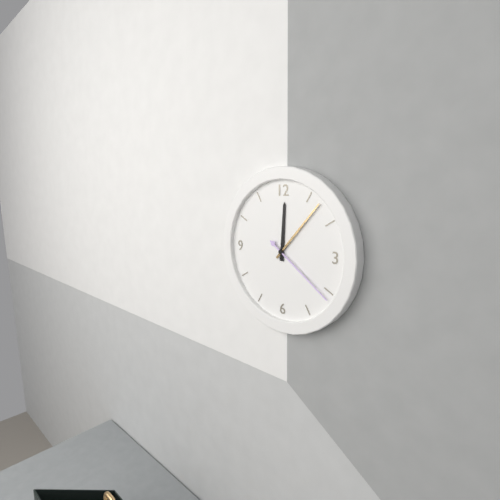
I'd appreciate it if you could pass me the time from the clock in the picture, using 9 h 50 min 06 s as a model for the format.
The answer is 12 h 07 min 21 s
